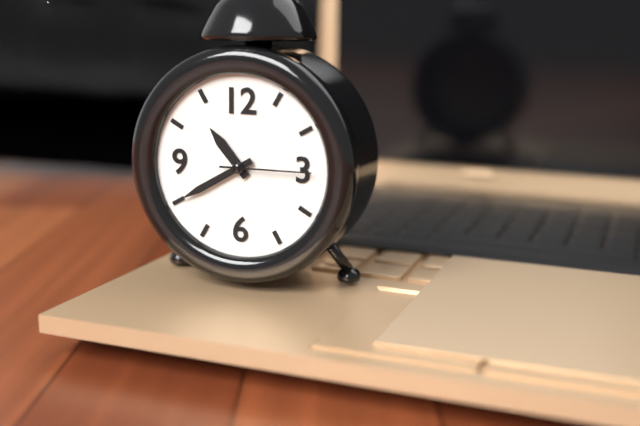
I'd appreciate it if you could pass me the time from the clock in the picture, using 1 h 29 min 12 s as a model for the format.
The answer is 10 h 40 min 15 s
